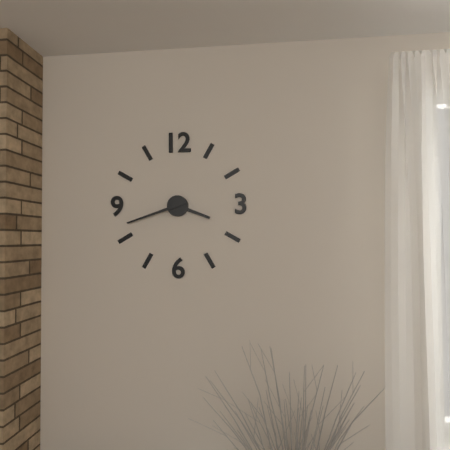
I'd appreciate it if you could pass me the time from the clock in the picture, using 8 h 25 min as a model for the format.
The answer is 3 h 42 min
